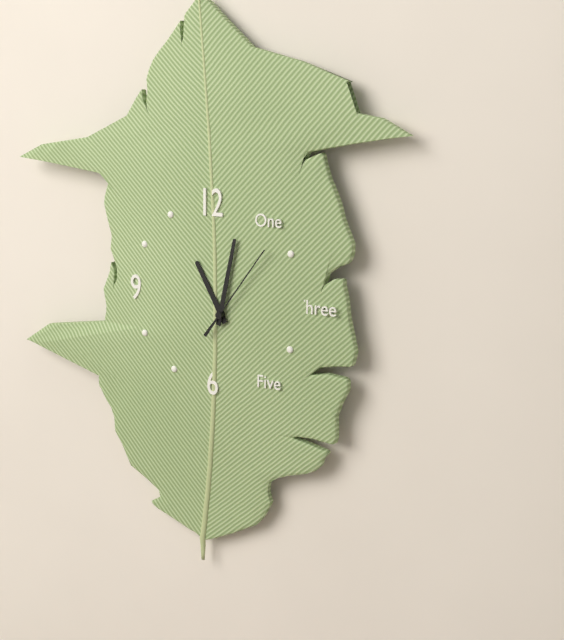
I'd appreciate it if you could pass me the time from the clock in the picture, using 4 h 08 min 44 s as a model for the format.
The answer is 11 h 02 min 06 s
